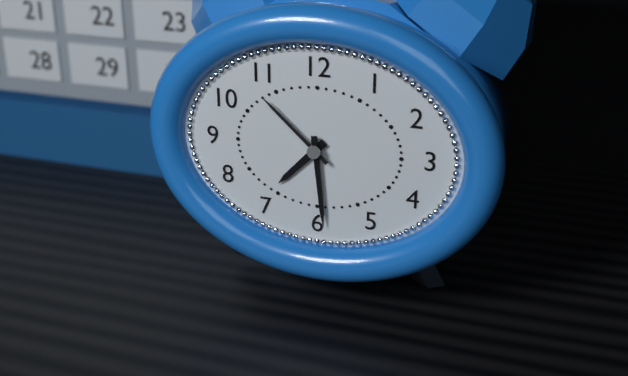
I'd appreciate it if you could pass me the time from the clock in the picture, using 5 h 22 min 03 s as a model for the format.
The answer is 7 h 29 min 52 s
